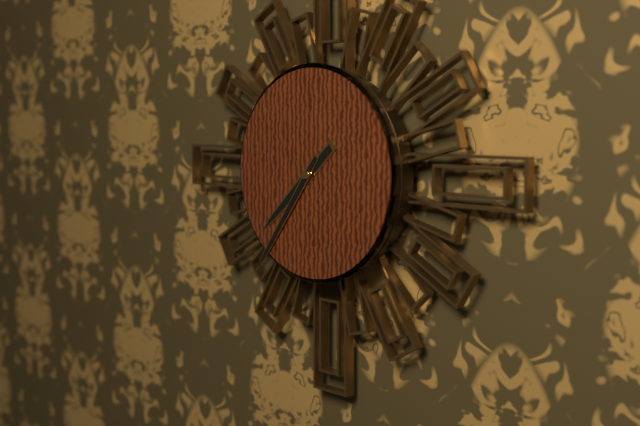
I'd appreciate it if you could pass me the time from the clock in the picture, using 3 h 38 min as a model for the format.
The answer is 7 h 36 min
